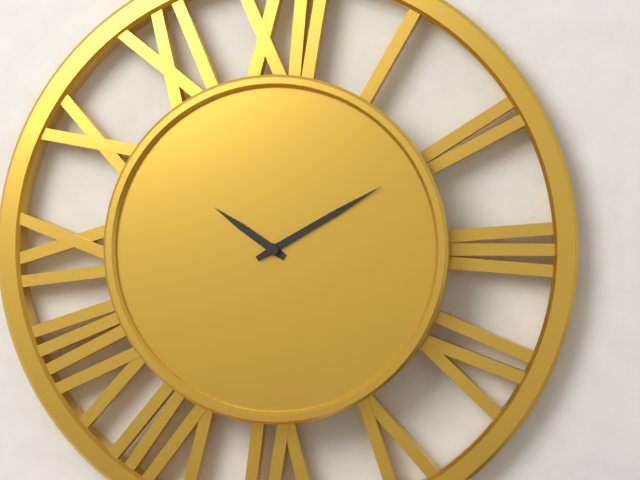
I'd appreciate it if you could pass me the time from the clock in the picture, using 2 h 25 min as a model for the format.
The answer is 10 h 10 min
